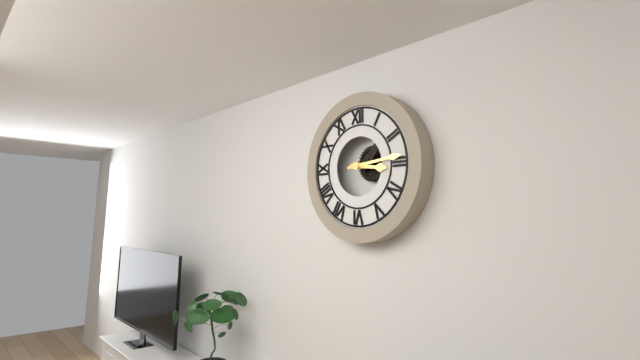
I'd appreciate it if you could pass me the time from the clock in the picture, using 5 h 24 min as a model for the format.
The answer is 3 h 14 min
